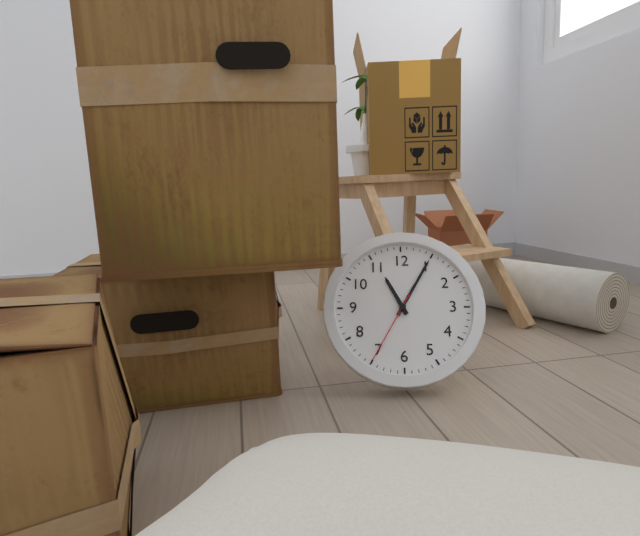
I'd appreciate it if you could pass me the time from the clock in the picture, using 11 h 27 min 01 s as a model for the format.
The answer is 11 h 05 min 35 s
